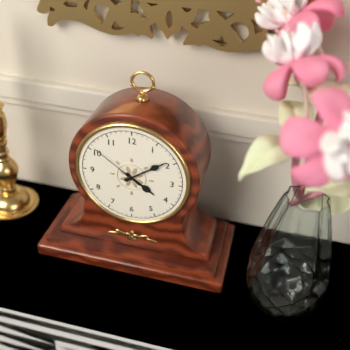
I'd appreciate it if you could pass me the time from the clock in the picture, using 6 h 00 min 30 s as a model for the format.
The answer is 4 h 09 min 51 s
